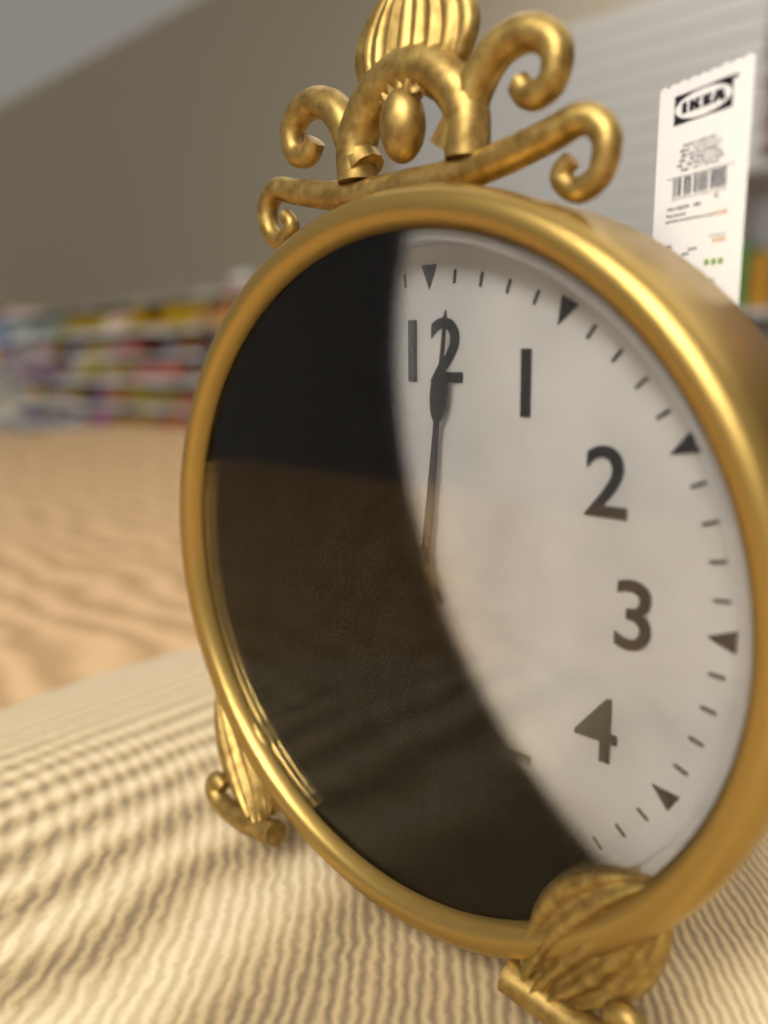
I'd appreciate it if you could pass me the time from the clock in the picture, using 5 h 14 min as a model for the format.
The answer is 11 h 01 min
